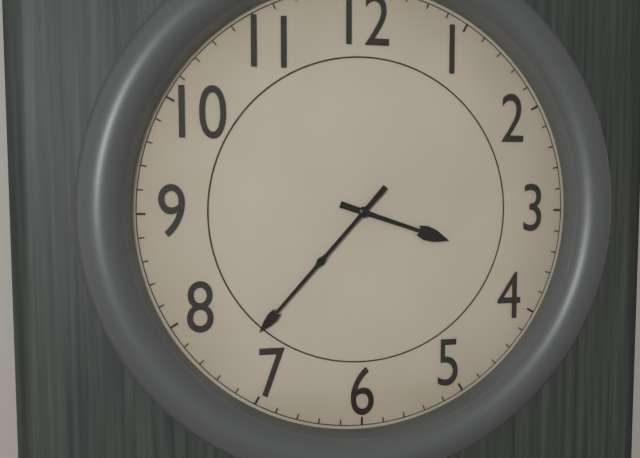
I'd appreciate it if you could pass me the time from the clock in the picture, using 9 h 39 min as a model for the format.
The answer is 3 h 37 min
